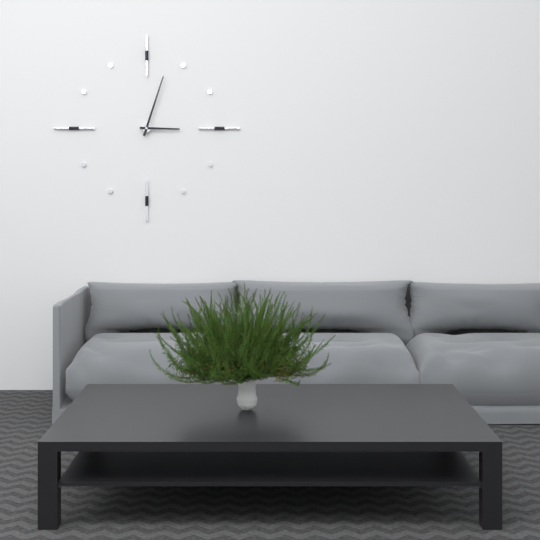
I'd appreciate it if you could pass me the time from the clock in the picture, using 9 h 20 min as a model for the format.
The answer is 3 h 03 min
